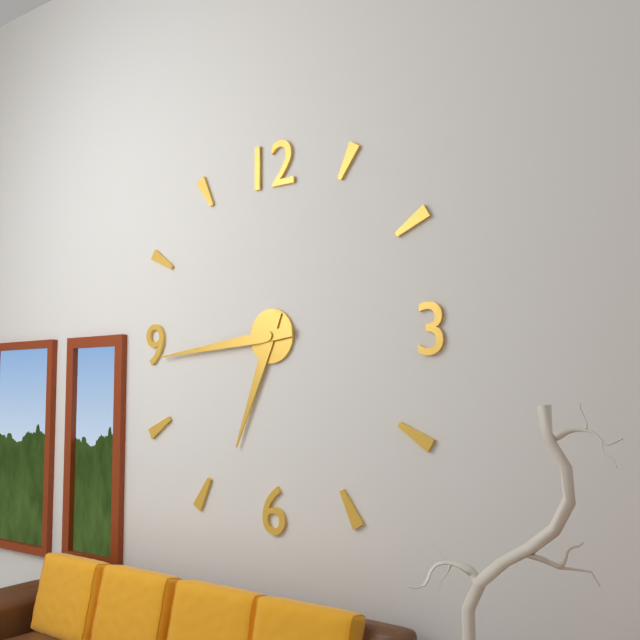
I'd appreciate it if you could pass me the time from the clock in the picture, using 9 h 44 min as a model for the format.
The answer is 6 h 44 min
